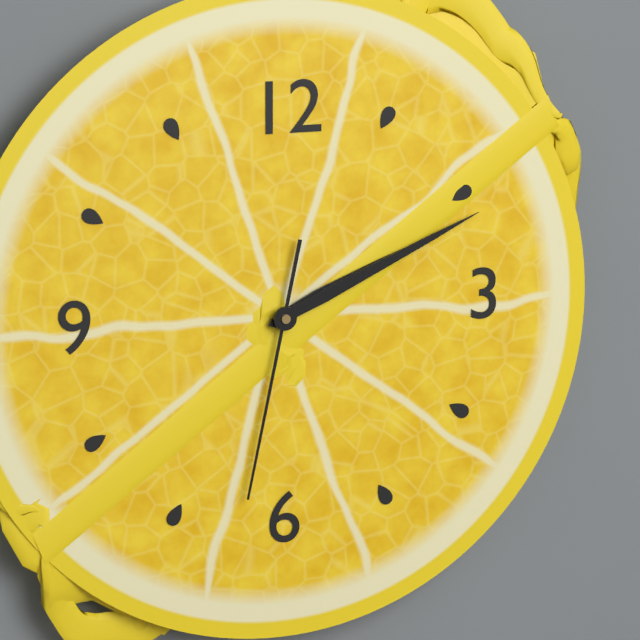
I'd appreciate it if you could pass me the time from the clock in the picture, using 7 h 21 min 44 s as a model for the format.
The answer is 2 h 11 min 32 s
